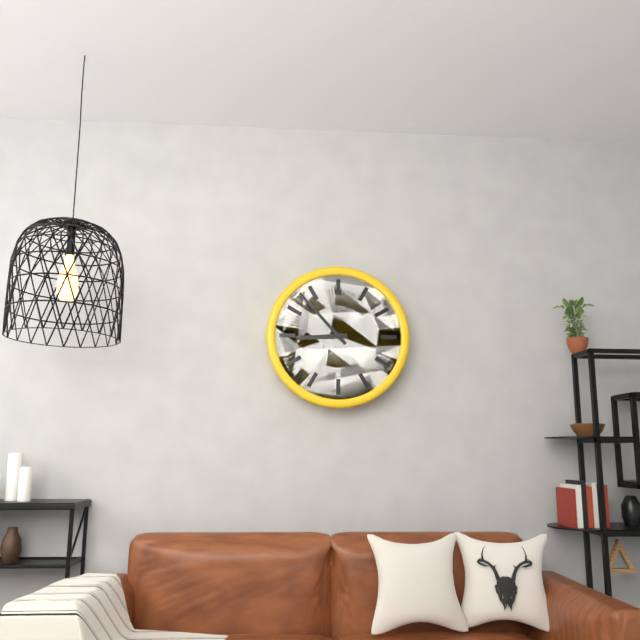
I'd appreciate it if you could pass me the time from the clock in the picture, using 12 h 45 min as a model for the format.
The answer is 8 h 53 min
